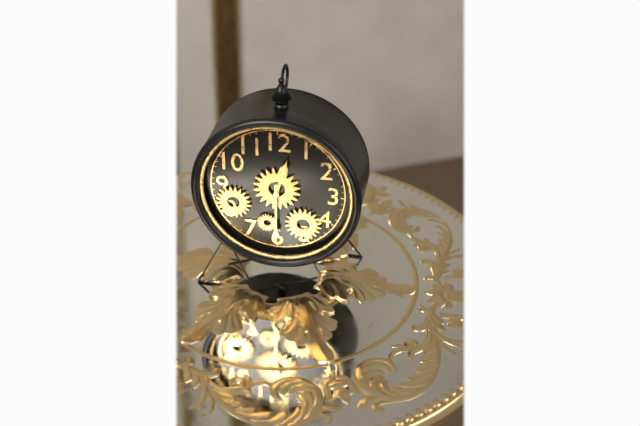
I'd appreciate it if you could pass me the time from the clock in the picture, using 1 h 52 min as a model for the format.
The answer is 12 h 30 min
